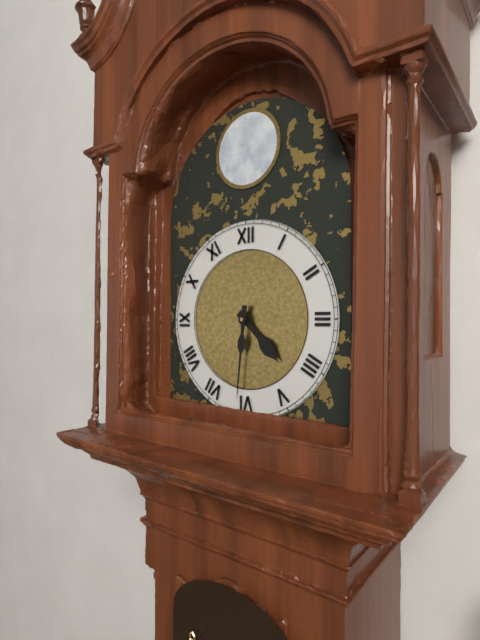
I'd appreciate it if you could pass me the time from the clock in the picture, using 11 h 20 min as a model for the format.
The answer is 4 h 31 min
